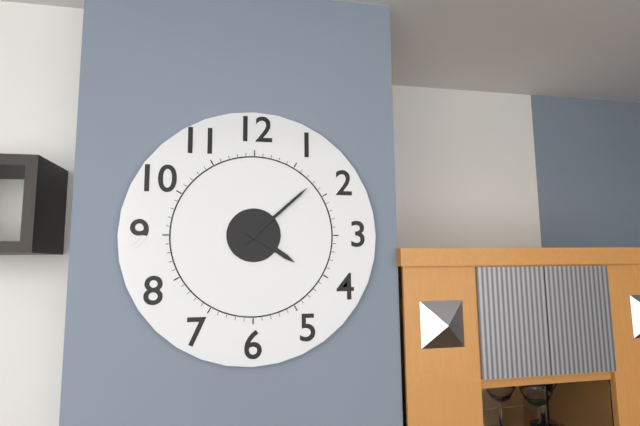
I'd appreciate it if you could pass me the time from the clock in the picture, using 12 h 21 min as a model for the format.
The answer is 4 h 08 min
